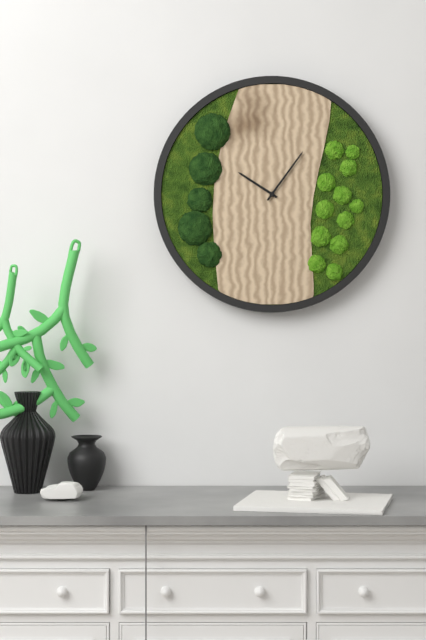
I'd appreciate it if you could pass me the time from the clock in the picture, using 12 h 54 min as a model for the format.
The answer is 10 h 06 min
